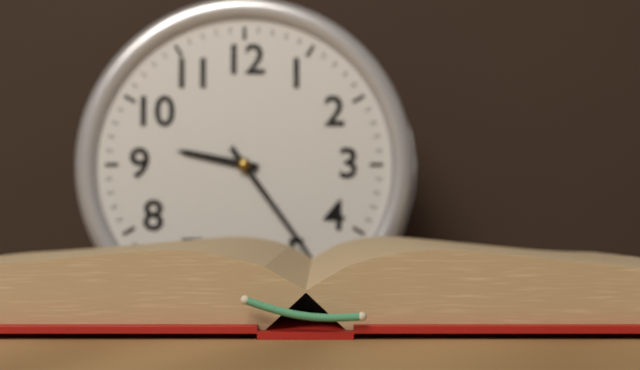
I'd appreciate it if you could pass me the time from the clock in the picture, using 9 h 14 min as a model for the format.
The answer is 9 h 24 min
